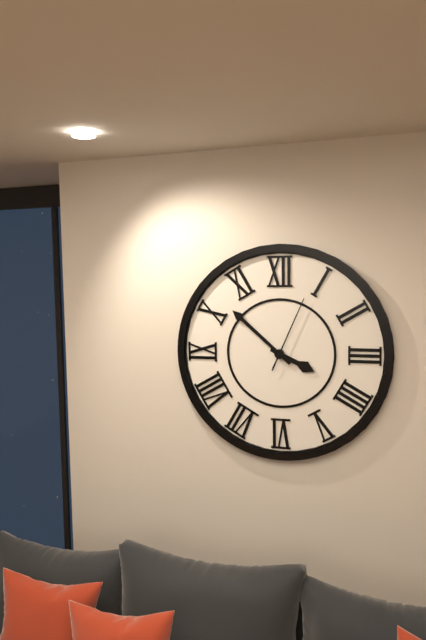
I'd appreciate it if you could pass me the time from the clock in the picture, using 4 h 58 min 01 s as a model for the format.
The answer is 3 h 52 min 04 s
